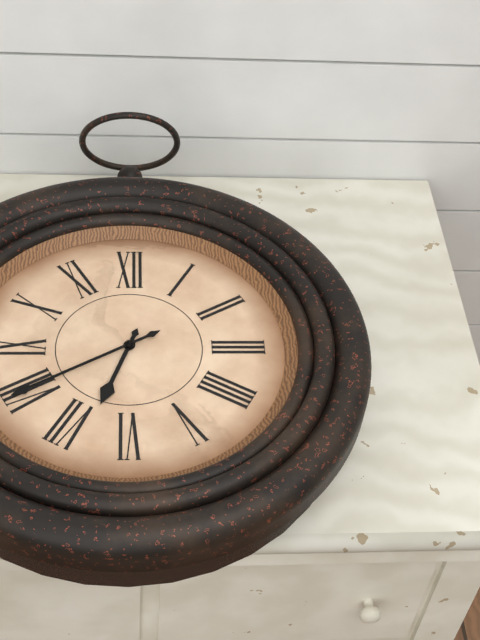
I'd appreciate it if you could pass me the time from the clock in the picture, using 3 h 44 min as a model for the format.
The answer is 6 h 40 min
